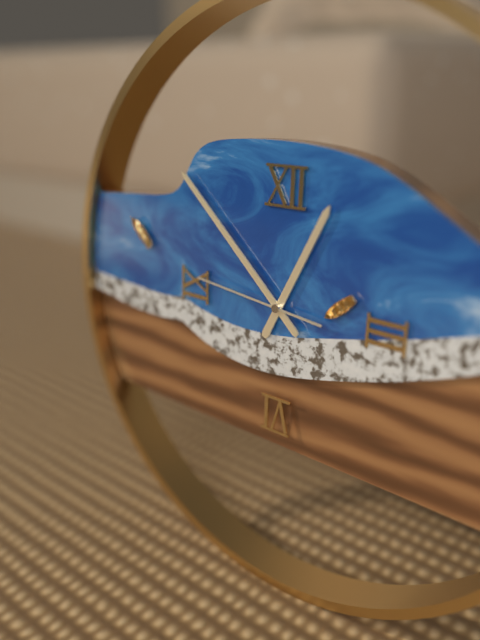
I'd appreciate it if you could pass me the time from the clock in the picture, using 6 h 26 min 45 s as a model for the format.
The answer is 12 h 52 min 46 s
